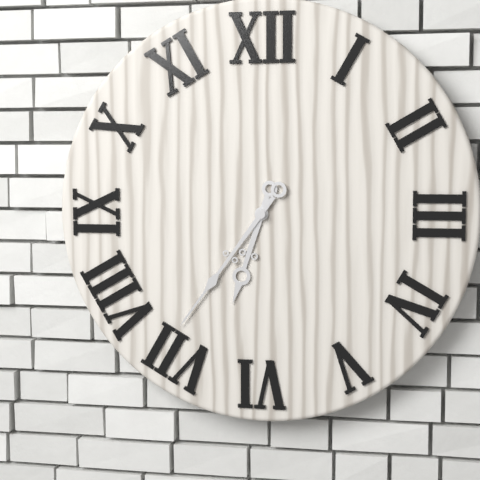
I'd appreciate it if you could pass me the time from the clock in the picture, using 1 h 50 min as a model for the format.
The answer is 6 h 36 min
